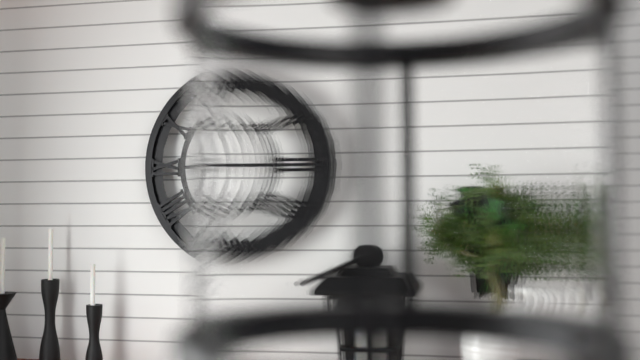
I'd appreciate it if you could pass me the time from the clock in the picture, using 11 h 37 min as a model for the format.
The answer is 7 h 56 min
